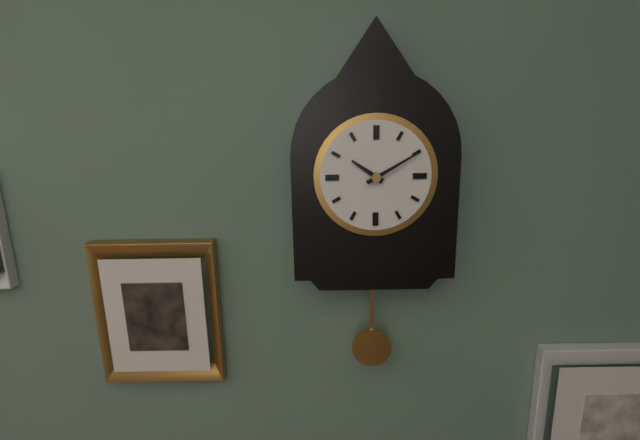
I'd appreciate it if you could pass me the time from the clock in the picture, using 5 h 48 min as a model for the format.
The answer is 10 h 10 min
